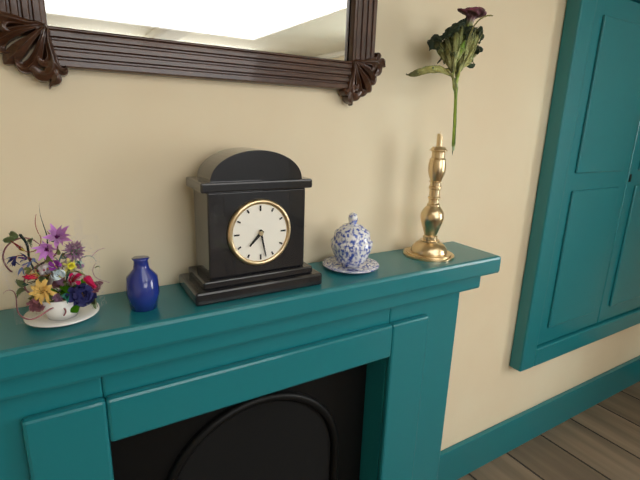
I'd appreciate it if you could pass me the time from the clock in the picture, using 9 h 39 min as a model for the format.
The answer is 7 h 28 min
